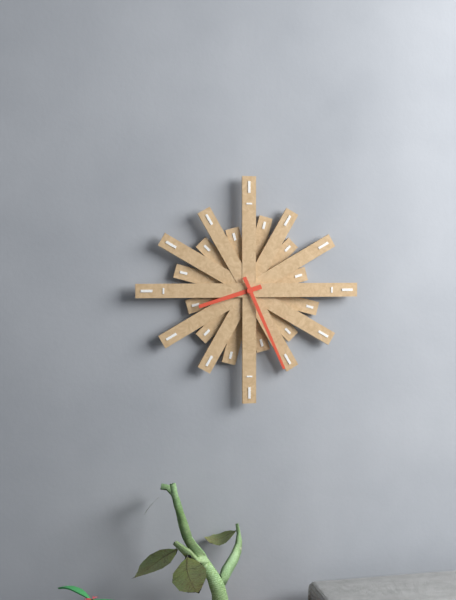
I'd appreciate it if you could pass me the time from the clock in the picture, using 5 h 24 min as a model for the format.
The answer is 8 h 26 min
